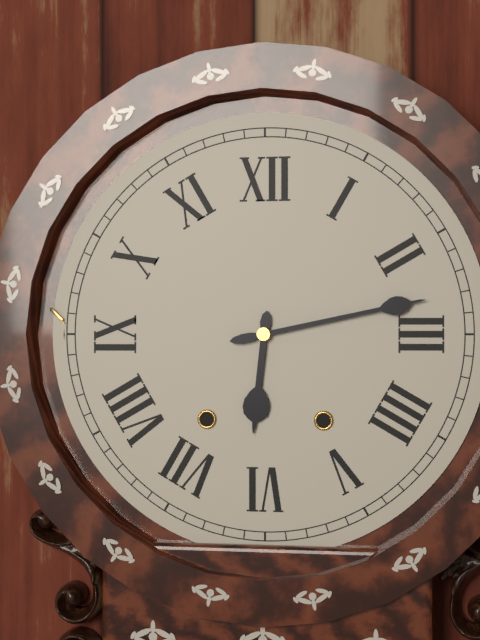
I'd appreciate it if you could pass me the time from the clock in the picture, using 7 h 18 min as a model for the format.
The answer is 6 h 13 min
